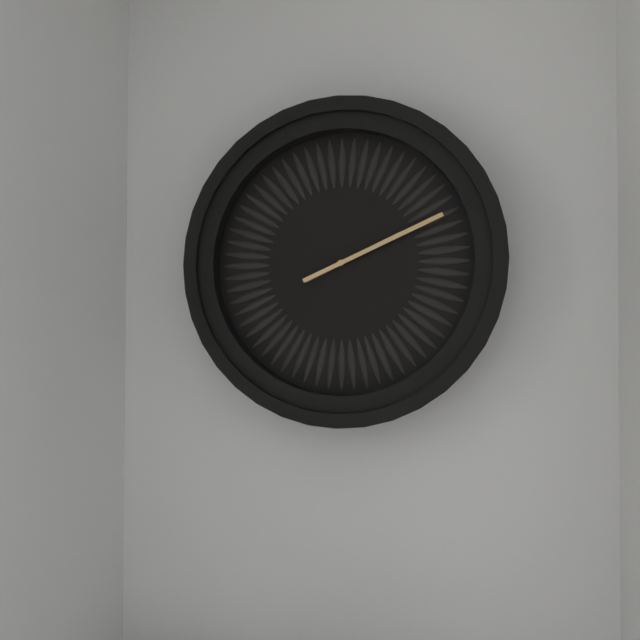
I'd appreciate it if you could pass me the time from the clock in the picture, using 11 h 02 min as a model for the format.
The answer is 2 h 11 min
